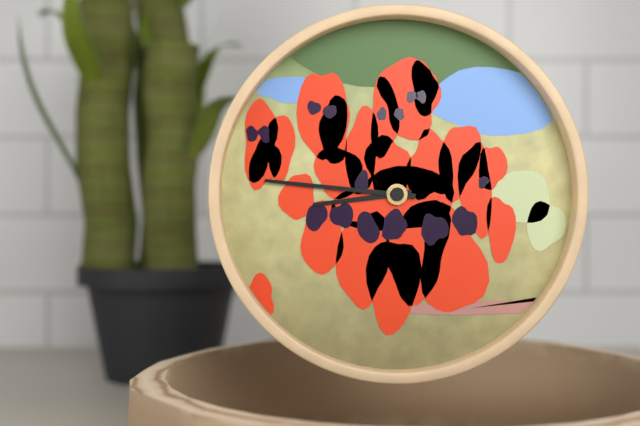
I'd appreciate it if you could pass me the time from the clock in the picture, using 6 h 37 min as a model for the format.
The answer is 8 h 46 min
